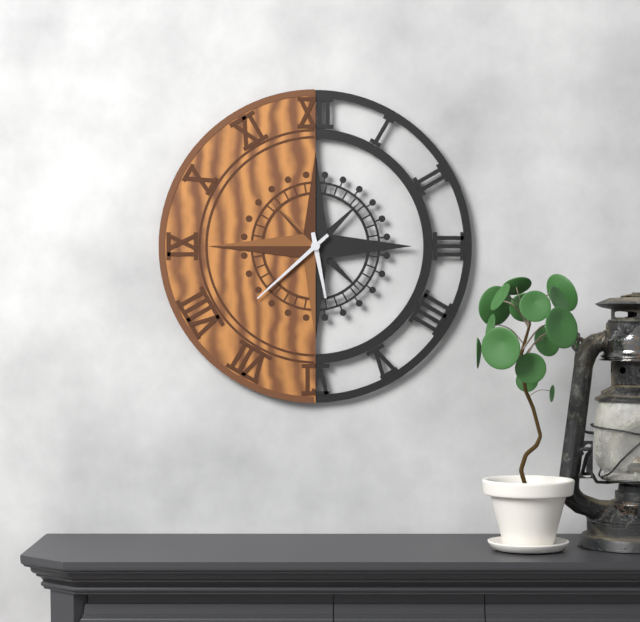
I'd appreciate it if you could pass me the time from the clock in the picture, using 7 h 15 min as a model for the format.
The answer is 5 h 38 min
